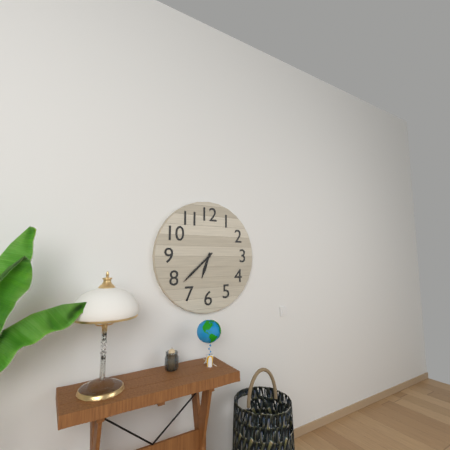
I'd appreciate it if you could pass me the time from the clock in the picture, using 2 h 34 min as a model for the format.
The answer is 6 h 38 min
